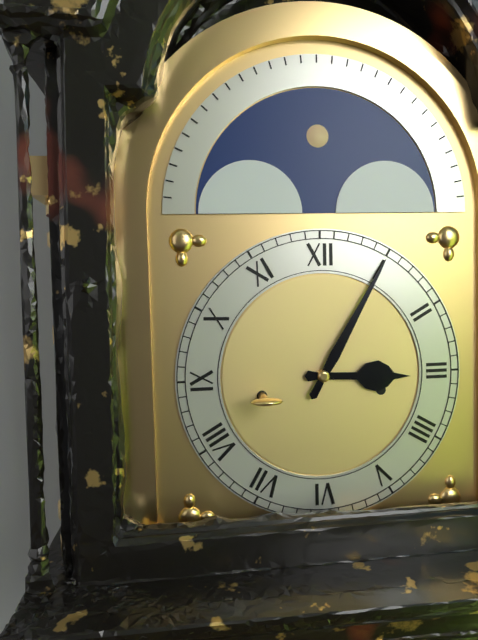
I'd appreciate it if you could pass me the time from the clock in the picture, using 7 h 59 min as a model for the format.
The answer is 3 h 05 min
